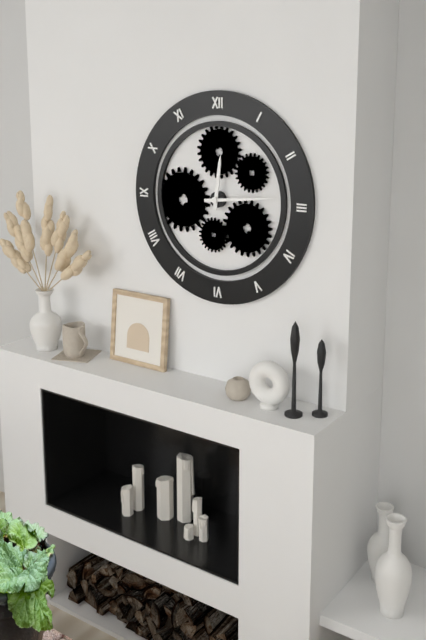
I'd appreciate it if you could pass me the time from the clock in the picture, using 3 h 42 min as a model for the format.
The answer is 12 h 14 min
